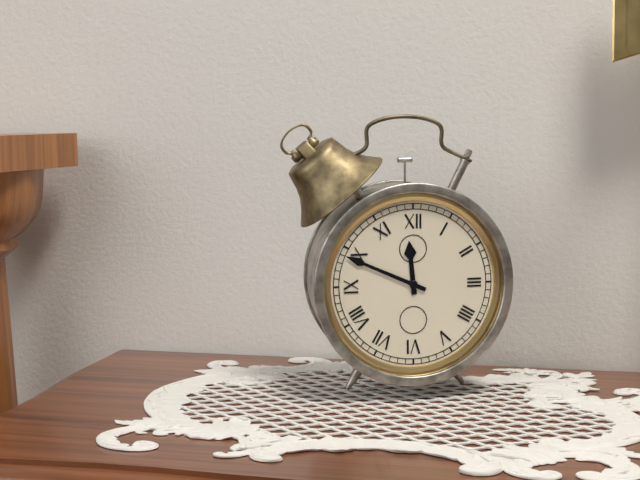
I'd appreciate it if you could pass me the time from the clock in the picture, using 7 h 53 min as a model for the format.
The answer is 11 h 49 min
